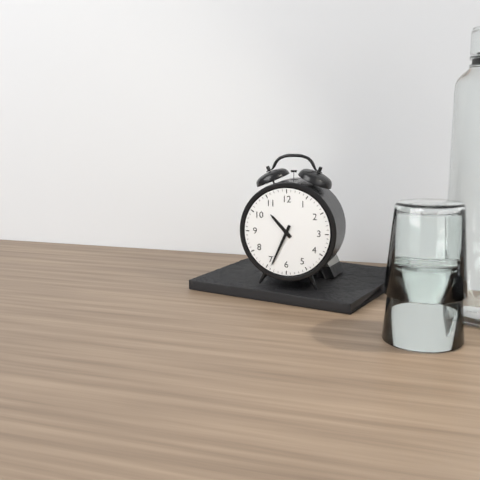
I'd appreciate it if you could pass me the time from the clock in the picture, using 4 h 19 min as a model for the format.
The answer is 10 h 34 min
